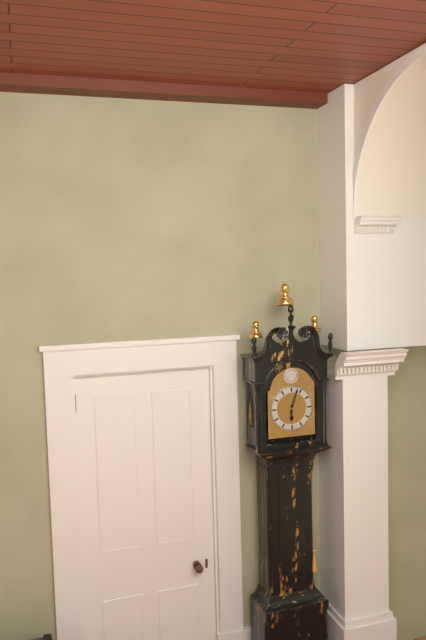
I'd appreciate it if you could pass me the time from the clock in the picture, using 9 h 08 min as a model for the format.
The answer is 6 h 03 min
